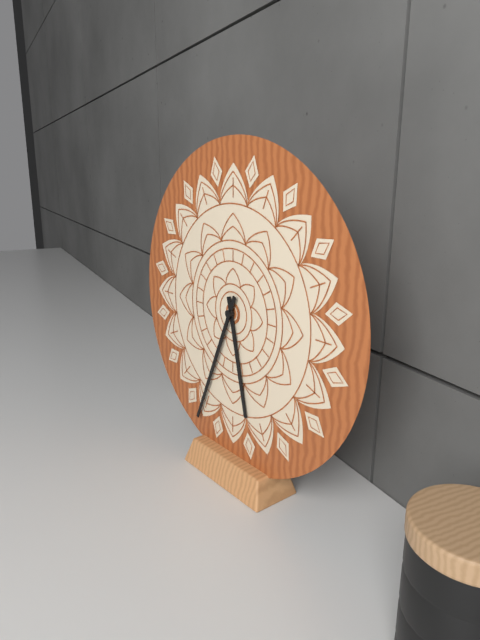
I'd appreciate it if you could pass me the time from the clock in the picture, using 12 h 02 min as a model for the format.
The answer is 5 h 34 min
